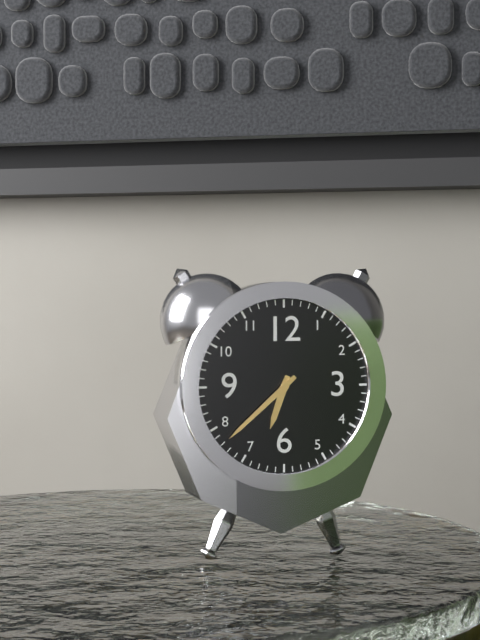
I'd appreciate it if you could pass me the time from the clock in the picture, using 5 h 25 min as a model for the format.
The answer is 6 h 38 min
